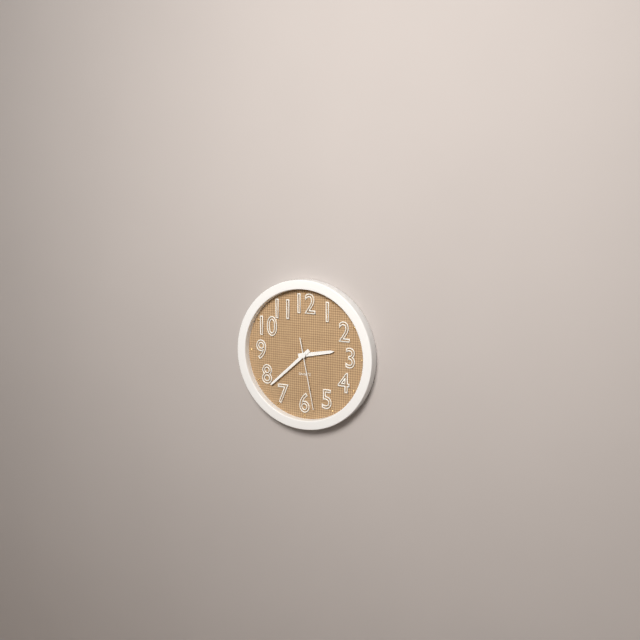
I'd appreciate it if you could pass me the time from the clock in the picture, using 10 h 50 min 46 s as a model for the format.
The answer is 2 h 38 min 28 s
